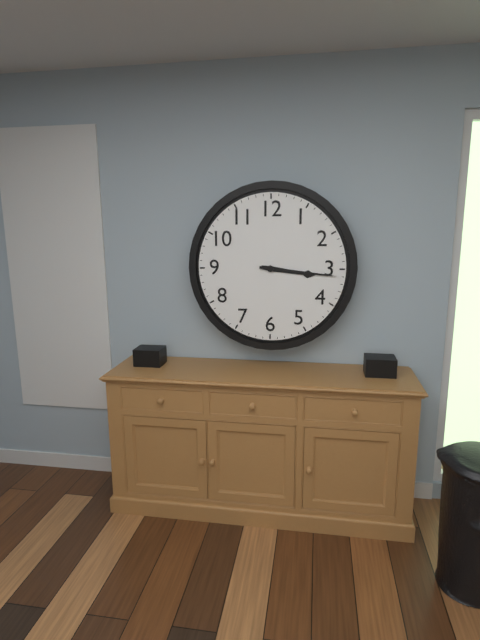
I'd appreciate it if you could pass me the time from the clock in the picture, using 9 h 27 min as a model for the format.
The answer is 3 h 16 min
